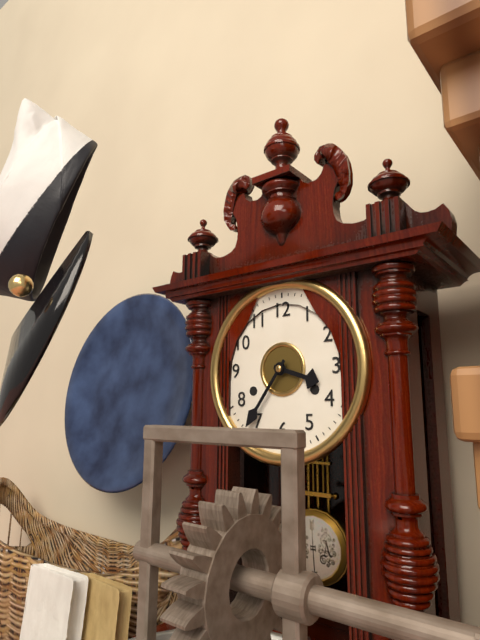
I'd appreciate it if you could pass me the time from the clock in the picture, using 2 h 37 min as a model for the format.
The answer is 3 h 36 min
